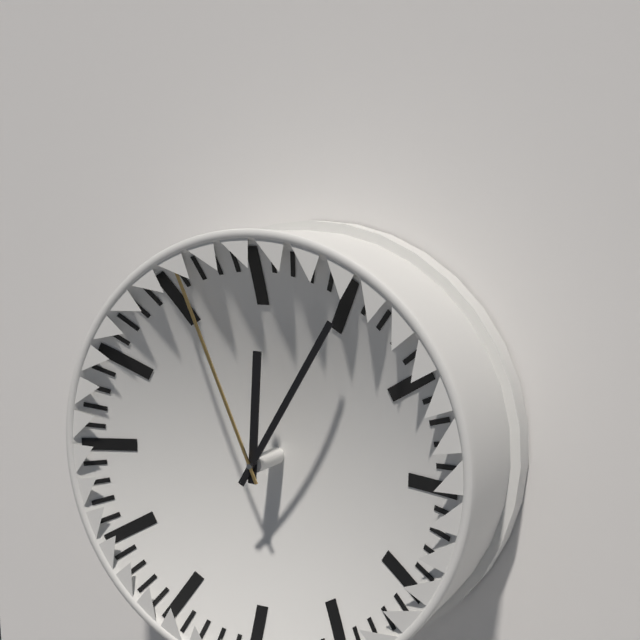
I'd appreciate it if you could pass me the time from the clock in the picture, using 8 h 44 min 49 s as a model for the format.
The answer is 12 h 05 min 56 s
